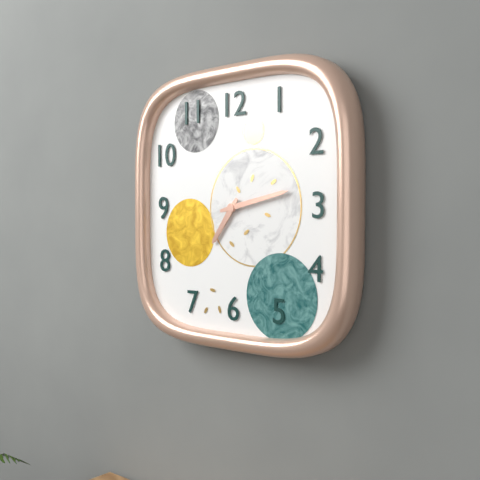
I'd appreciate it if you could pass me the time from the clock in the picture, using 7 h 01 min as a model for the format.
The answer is 7 h 13 min
